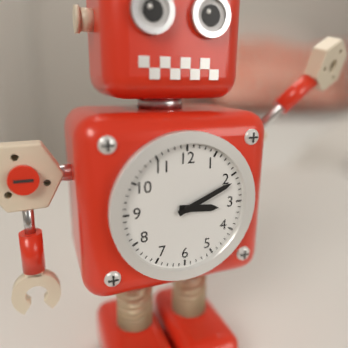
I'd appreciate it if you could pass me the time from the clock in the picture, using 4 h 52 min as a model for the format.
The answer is 3 h 11 min
